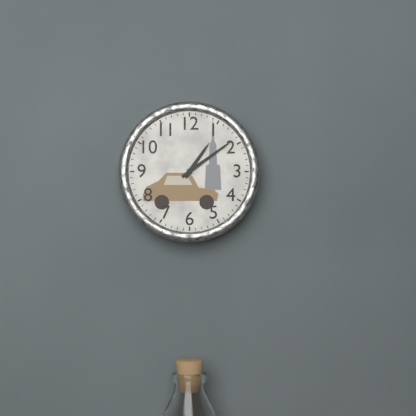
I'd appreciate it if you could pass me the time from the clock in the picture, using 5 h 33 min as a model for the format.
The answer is 1 h 09 min
